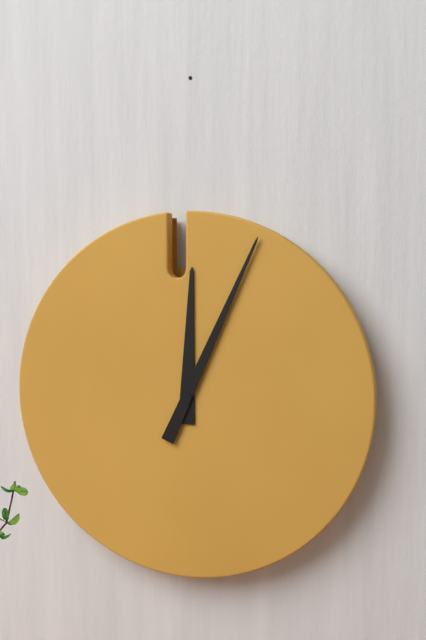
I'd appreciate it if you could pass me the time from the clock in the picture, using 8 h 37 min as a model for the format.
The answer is 12 h 04 min
